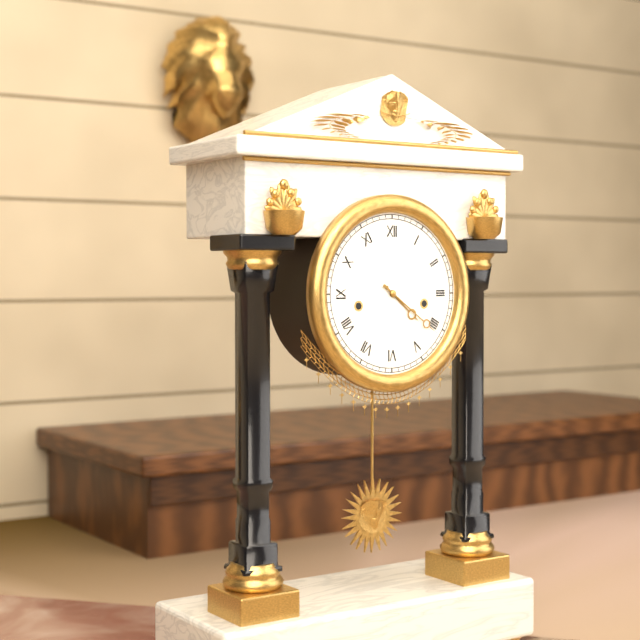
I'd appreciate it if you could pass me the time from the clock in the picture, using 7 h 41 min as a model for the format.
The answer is 4 h 21 min
